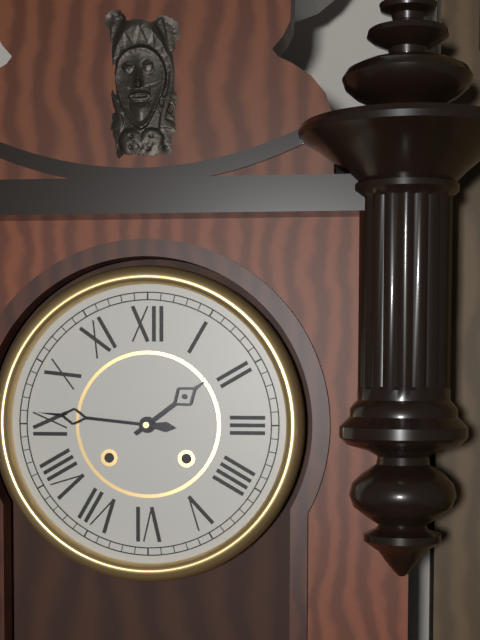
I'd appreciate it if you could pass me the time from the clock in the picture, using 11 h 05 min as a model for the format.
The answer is 1 h 46 min
